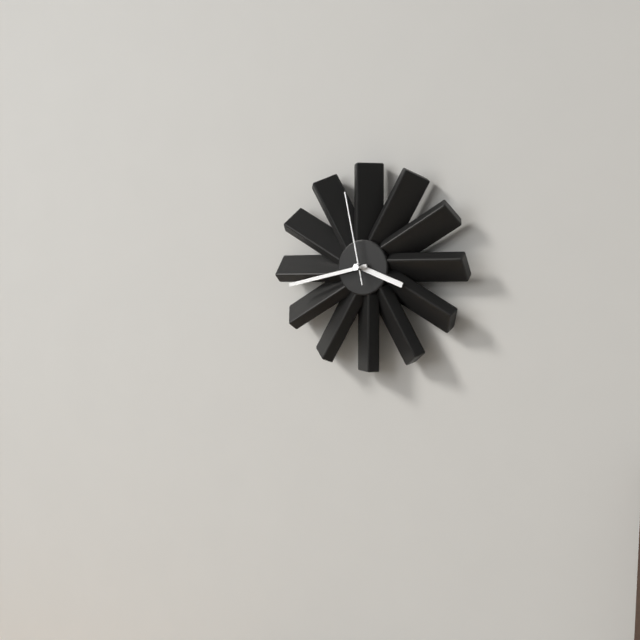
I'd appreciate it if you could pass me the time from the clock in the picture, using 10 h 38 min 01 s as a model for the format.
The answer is 3 h 43 min 58 s
